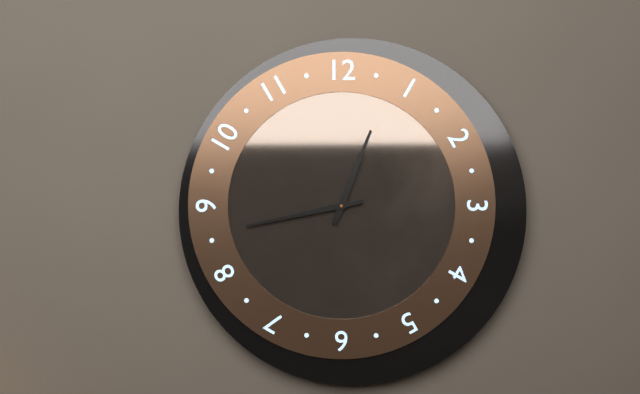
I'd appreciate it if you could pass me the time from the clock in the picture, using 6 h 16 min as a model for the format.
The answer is 12 h 43 min
